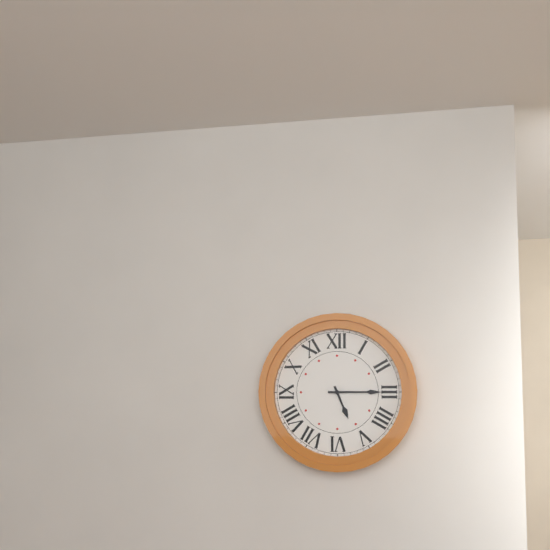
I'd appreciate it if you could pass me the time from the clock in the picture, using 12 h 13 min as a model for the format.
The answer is 5 h 15 min
